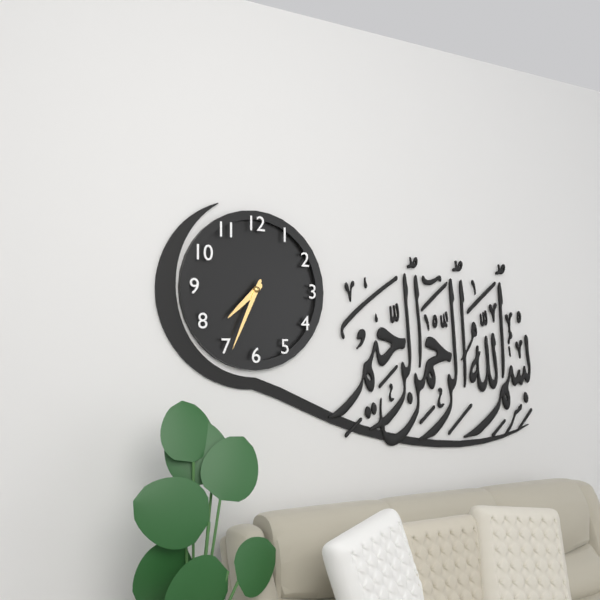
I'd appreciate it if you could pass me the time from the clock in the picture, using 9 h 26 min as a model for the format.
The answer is 7 h 34 min
